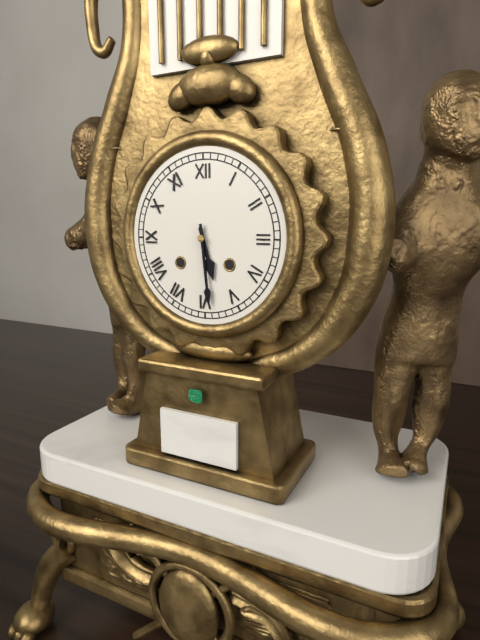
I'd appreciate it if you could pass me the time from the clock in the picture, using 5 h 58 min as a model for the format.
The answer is 5 h 29 min
